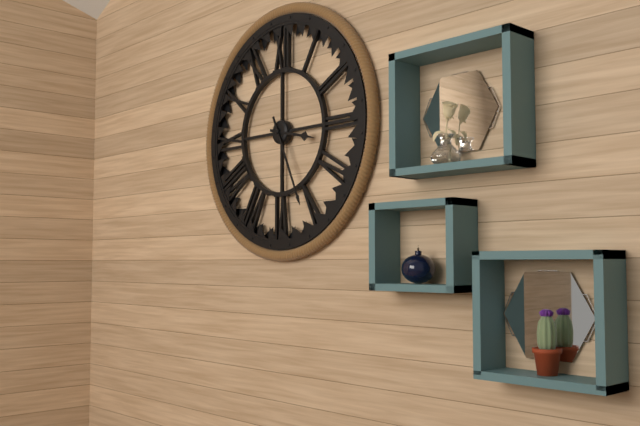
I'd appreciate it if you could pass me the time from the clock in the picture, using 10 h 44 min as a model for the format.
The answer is 3 h 26 min
